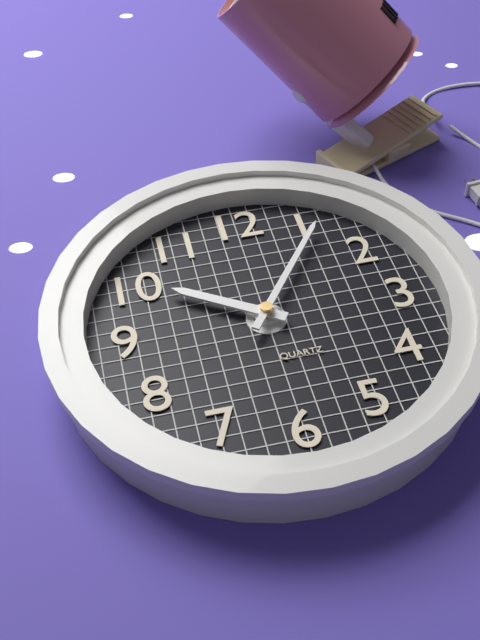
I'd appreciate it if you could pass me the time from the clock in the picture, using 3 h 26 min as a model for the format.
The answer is 10 h 06 min
